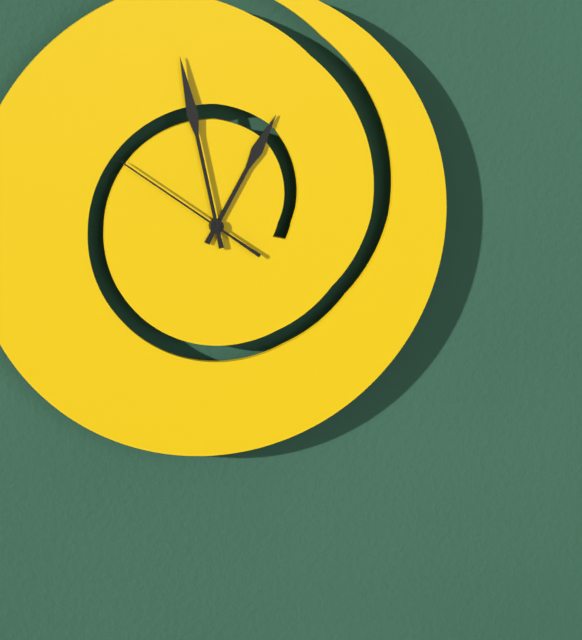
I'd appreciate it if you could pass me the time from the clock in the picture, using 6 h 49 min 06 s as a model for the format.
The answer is 12 h 58 min 51 s
